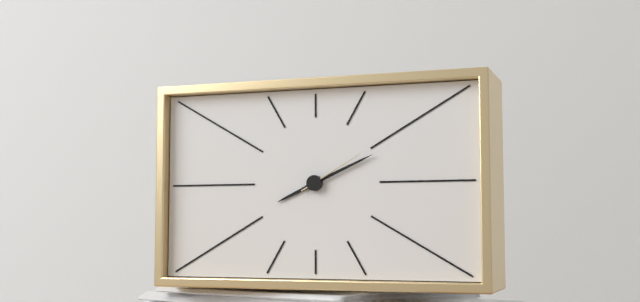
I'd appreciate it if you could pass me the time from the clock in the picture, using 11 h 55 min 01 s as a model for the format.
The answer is 8 h 11 min 10 s
